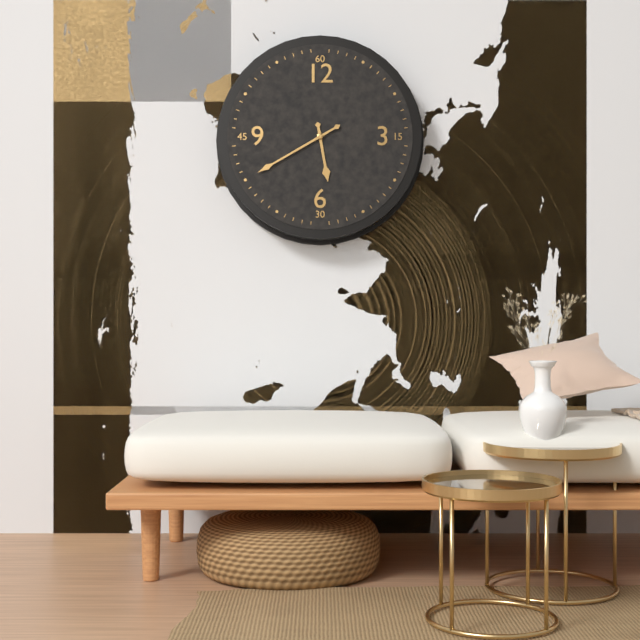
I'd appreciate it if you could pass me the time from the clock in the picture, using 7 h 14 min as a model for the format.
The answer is 5 h 40 min
